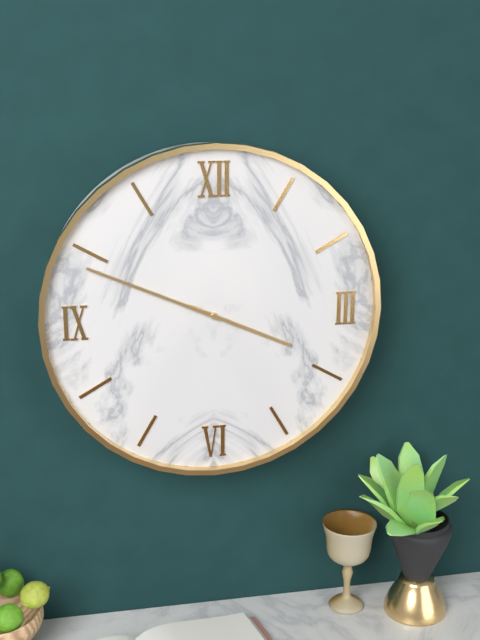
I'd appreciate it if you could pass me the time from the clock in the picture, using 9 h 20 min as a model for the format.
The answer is 3 h 49 min
